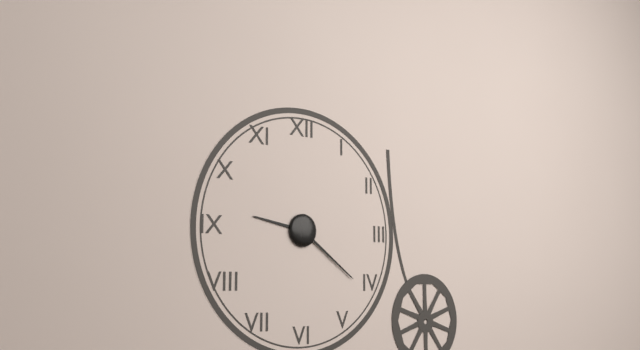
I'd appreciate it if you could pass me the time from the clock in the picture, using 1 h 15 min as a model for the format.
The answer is 9 h 21 min
